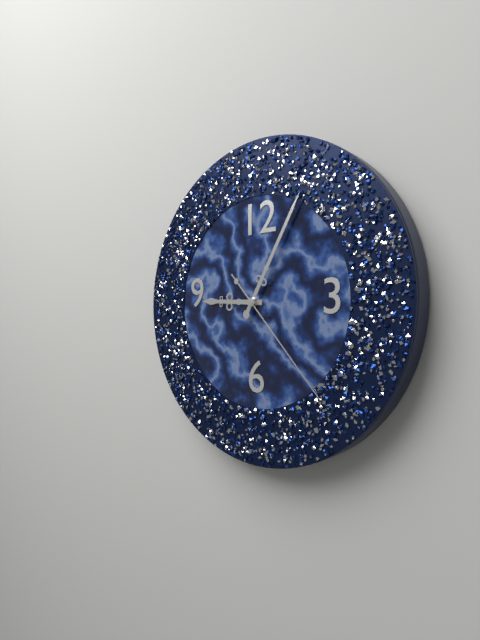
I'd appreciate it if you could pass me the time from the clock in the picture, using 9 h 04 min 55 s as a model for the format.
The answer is 9 h 05 min 23 s
